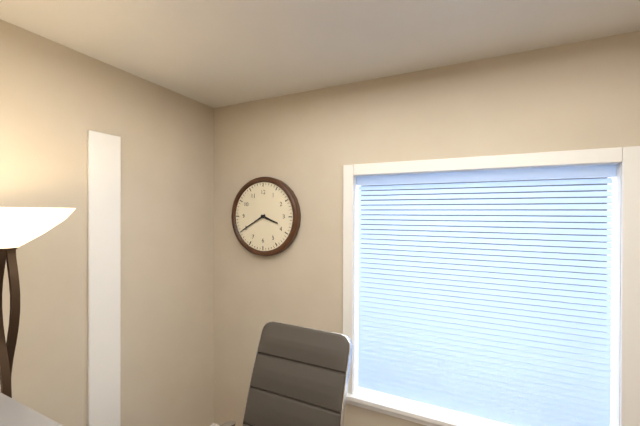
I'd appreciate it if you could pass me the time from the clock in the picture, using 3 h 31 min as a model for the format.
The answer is 3 h 40 min
